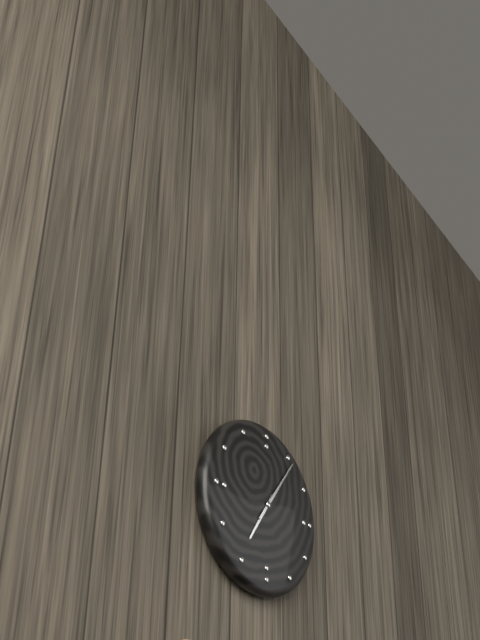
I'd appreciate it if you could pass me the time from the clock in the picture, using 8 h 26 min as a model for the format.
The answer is 7 h 06 min
